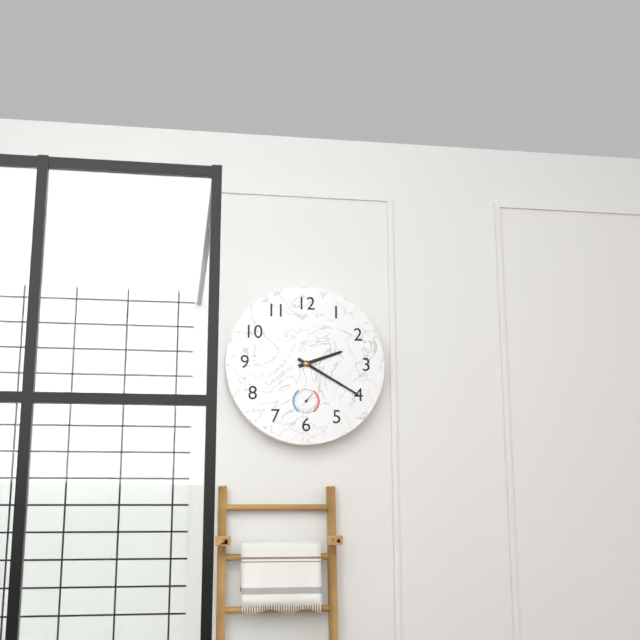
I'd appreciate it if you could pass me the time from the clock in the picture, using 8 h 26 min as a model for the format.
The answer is 2 h 20 min
